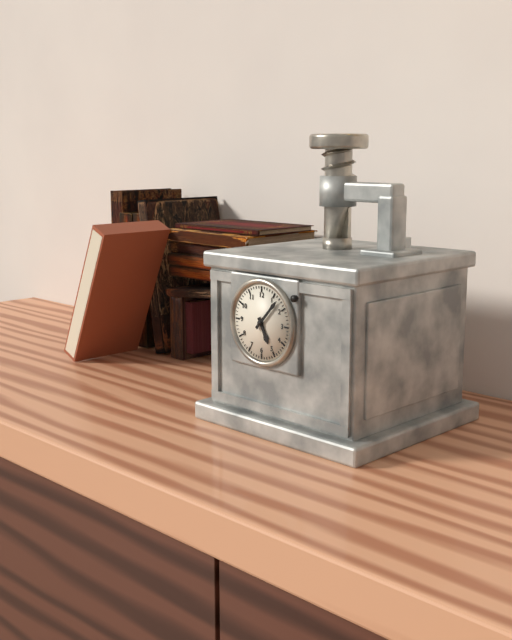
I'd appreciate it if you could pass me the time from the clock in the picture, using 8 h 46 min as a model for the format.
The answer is 5 h 07 min
